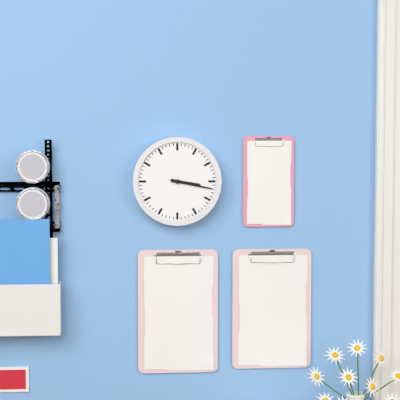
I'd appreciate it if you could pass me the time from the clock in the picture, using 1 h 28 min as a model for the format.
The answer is 3 h 17 min
